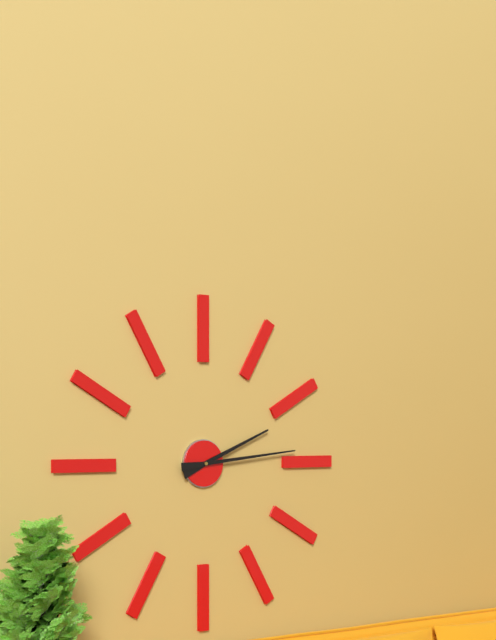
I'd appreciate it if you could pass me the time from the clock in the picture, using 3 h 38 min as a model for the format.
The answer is 2 h 14 min
